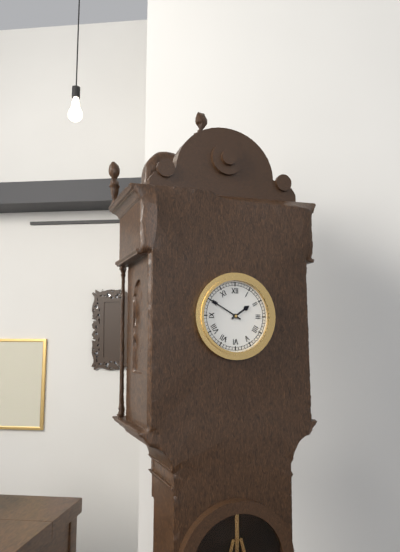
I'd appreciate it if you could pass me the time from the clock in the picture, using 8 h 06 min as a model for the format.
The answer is 1 h 50 min
